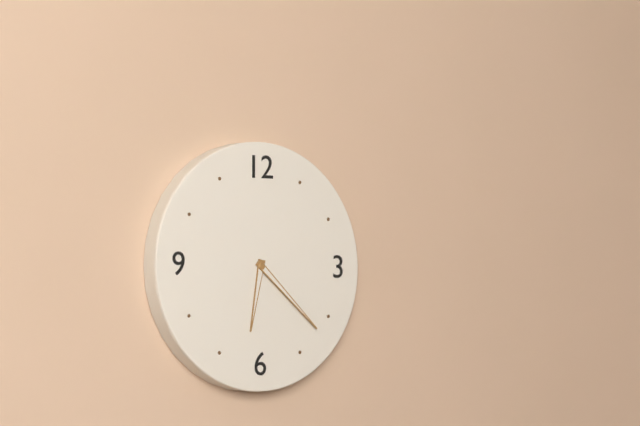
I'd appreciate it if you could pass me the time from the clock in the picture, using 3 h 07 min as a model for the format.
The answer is 6 h 22 min
